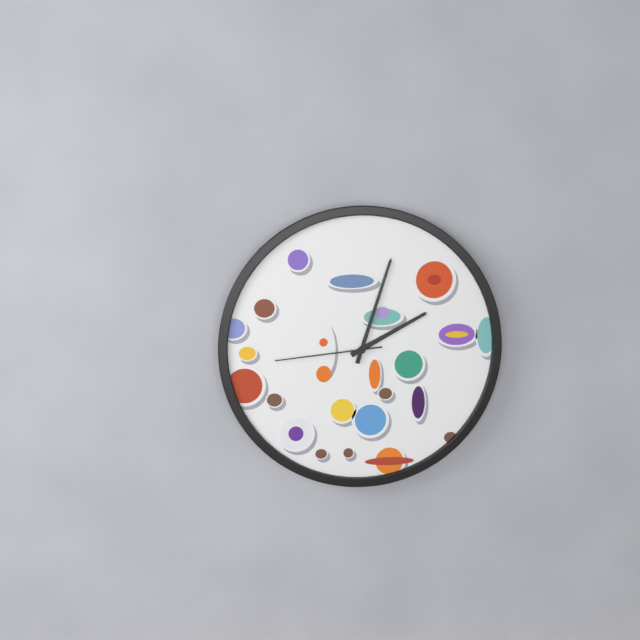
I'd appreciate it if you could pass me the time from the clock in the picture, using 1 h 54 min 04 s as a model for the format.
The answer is 2 h 03 min 44 s
